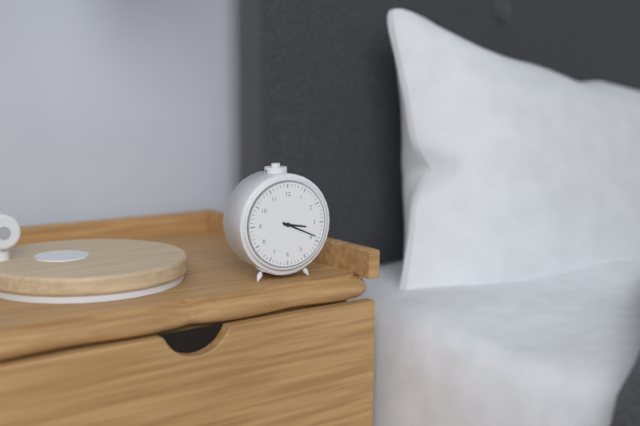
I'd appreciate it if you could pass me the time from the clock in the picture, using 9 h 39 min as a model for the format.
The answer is 3 h 19 min
